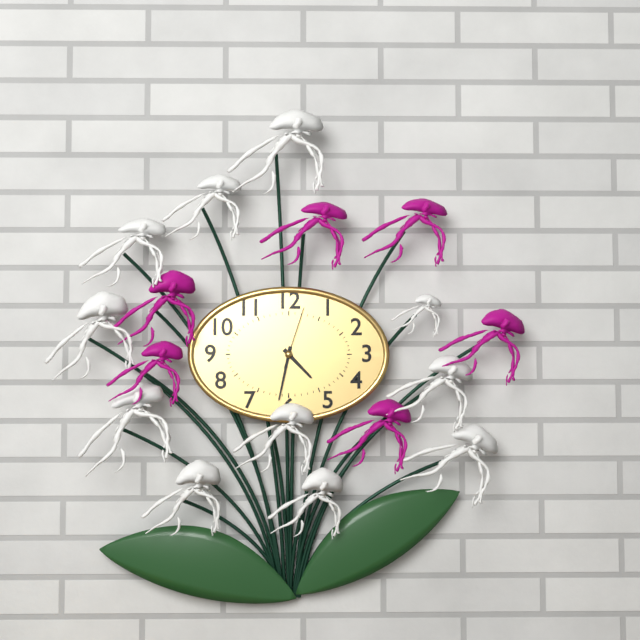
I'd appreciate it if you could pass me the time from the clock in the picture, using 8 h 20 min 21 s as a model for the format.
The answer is 4 h 32 min 03 s
